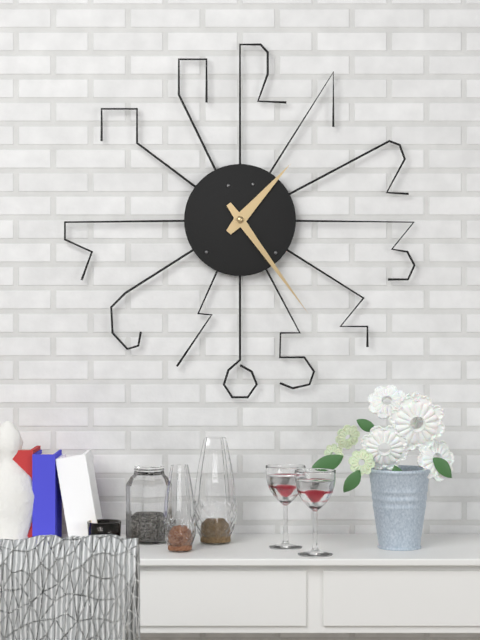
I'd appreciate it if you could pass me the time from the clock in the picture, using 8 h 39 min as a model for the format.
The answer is 1 h 24 min
